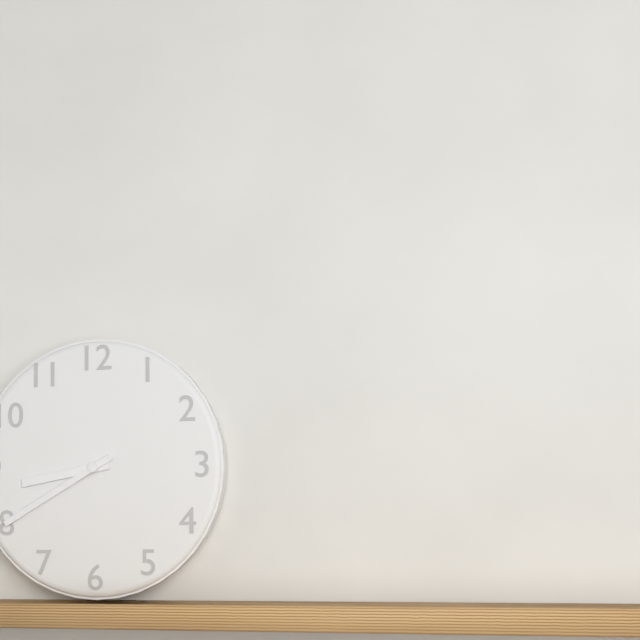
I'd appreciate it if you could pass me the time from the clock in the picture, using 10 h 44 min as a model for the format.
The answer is 8 h 40 min
